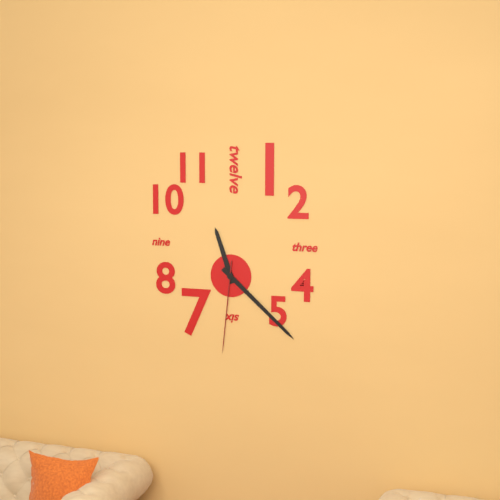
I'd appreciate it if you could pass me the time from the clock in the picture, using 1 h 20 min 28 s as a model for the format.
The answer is 11 h 22 min 31 s
